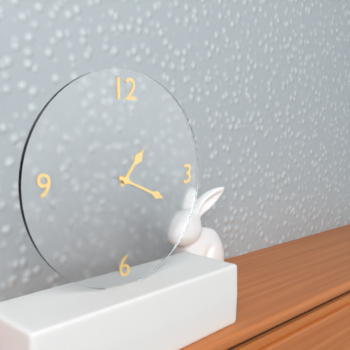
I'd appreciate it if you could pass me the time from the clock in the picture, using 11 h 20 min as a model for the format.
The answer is 1 h 19 min
